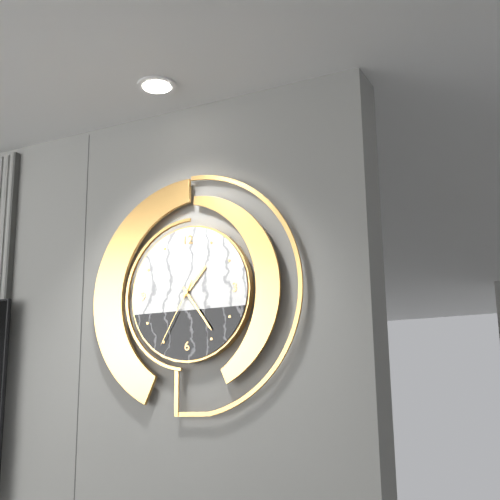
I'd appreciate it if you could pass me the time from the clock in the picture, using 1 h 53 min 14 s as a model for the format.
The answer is 1 h 24 min 35 s
